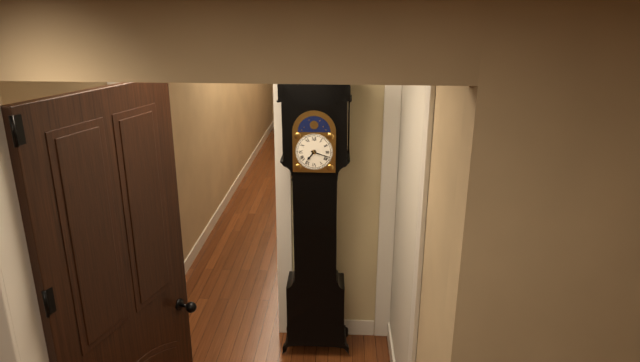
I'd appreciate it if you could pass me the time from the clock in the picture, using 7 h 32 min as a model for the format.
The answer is 7 h 18 min
